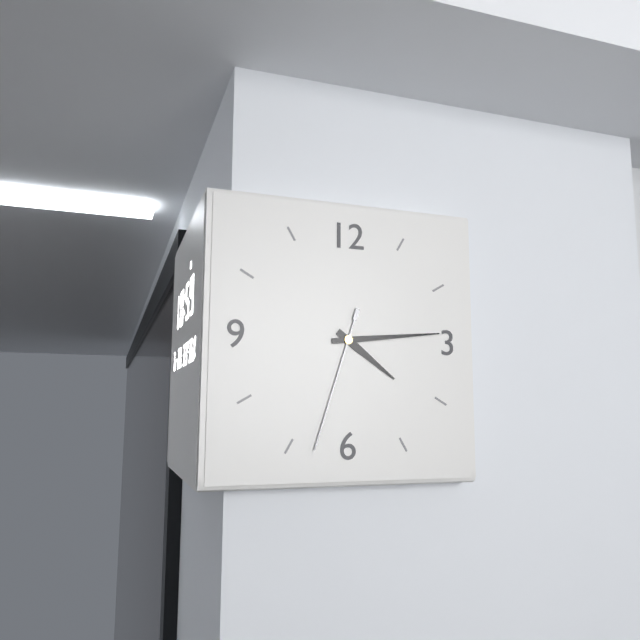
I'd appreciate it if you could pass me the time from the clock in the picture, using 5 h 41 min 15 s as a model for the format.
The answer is 4 h 14 min 33 s
